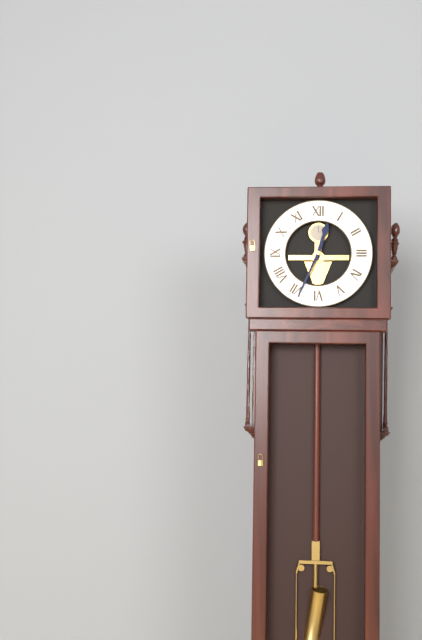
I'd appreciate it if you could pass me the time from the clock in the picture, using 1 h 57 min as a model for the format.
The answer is 12 h 34 min
